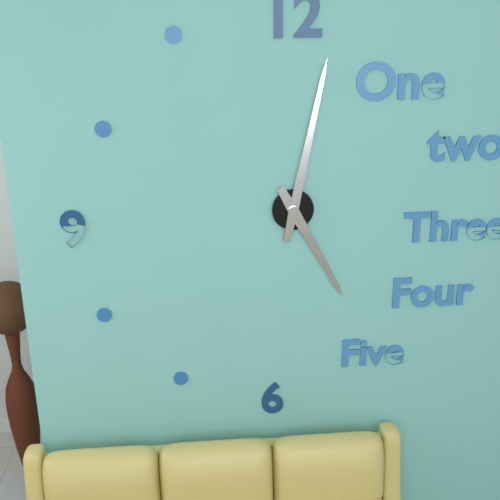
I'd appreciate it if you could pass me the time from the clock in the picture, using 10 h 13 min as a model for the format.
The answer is 5 h 02 min
